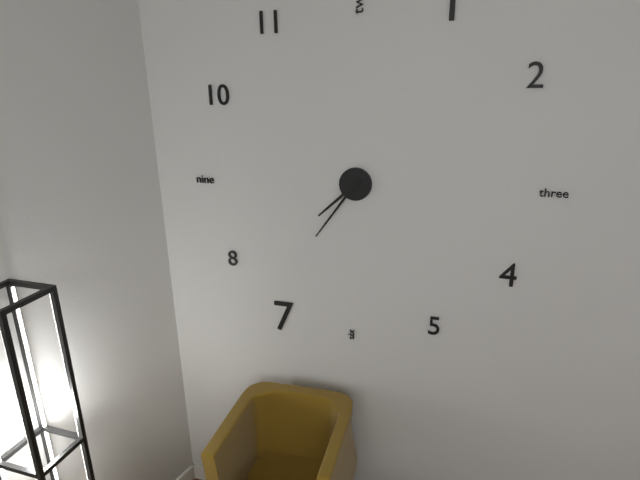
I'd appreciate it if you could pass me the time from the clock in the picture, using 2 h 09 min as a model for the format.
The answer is 7 h 36 min
